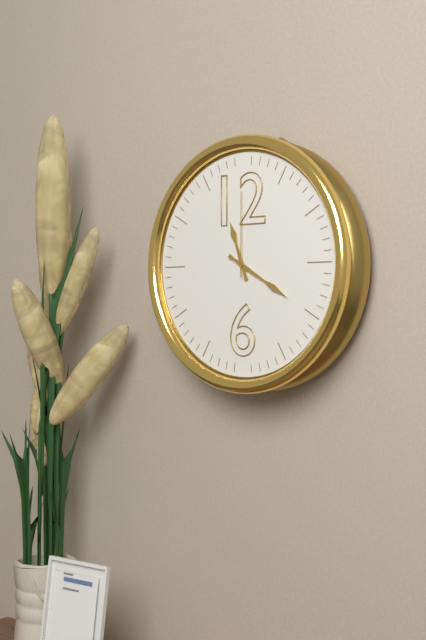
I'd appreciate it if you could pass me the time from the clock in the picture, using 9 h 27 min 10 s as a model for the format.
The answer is 11 h 20 min 00 s
